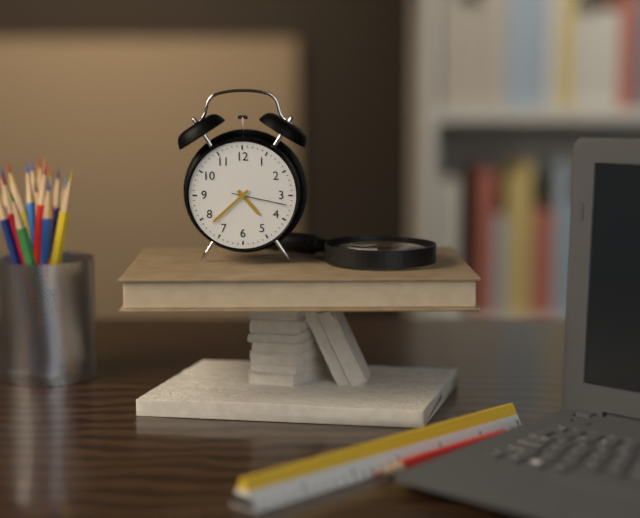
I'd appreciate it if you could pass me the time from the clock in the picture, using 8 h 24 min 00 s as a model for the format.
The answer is 4 h 38 min 17 s
